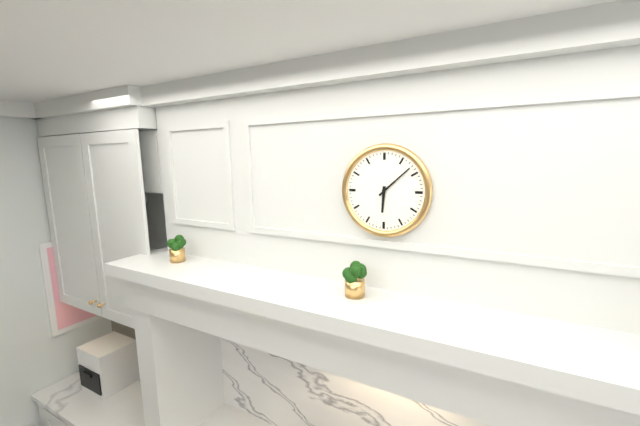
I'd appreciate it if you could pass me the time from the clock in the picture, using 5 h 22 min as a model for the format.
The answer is 6 h 08 min
